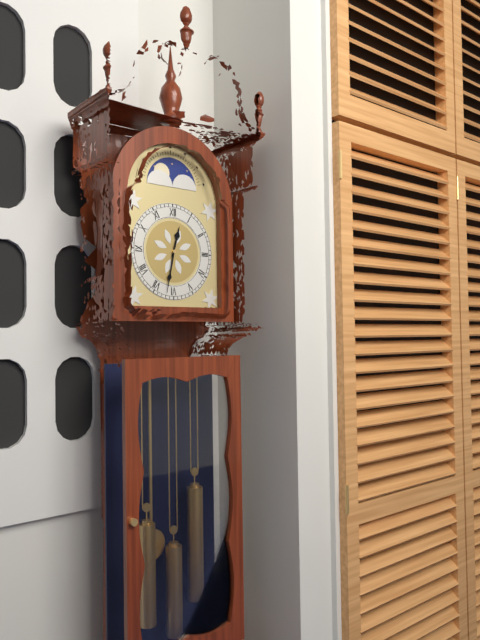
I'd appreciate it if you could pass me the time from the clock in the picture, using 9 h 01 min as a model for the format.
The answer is 12 h 32 min
